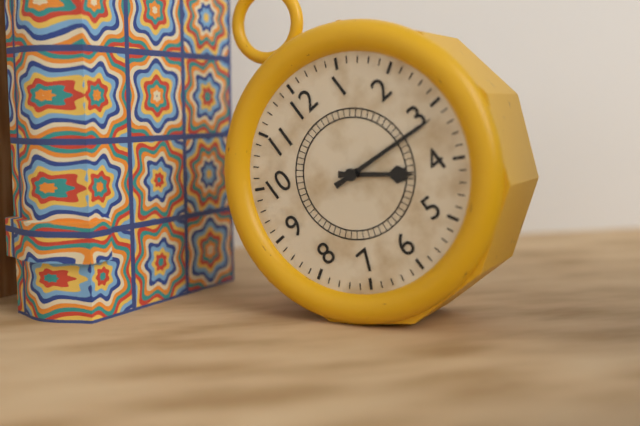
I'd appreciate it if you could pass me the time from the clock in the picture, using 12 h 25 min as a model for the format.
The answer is 4 h 16 min
